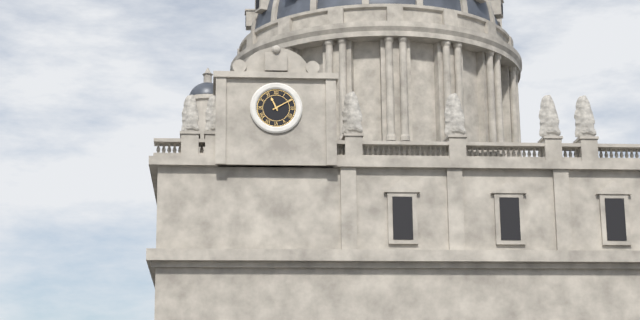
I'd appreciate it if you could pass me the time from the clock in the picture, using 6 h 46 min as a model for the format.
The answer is 11 h 10 min
